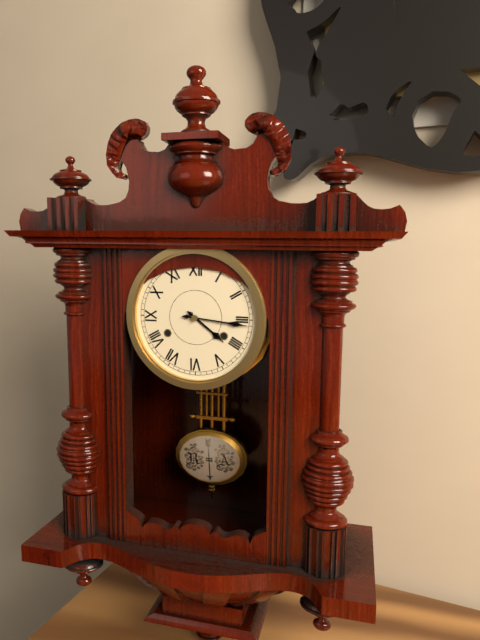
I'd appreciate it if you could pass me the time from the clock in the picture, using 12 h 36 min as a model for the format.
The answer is 4 h 16 min
